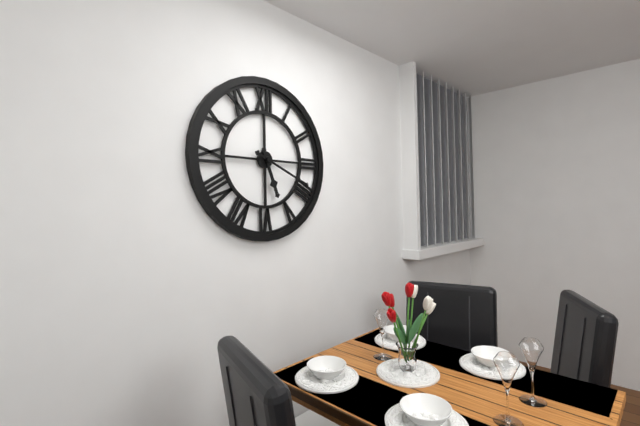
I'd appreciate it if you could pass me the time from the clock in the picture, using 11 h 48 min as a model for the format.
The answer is 5 h 19 min
